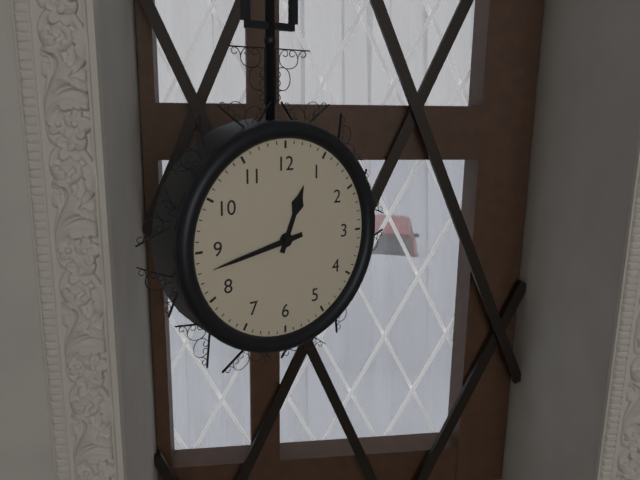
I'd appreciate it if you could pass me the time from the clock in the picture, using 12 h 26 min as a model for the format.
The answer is 12 h 43 min
